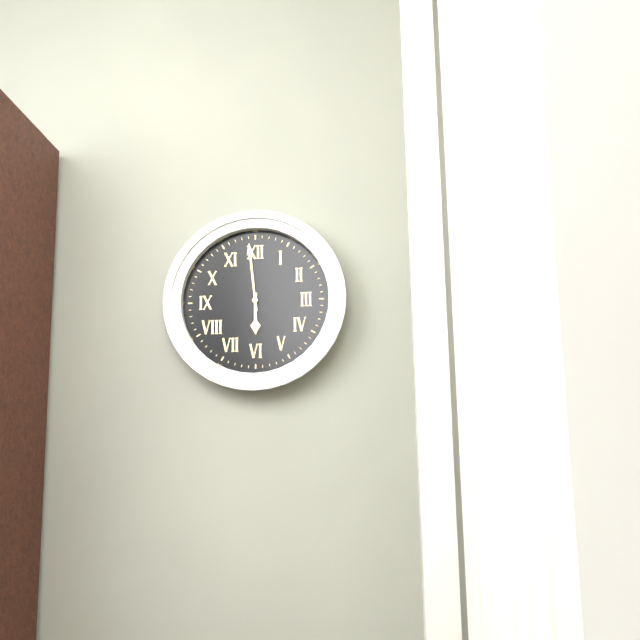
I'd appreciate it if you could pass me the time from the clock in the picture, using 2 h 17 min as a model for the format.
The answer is 5 h 59 min
